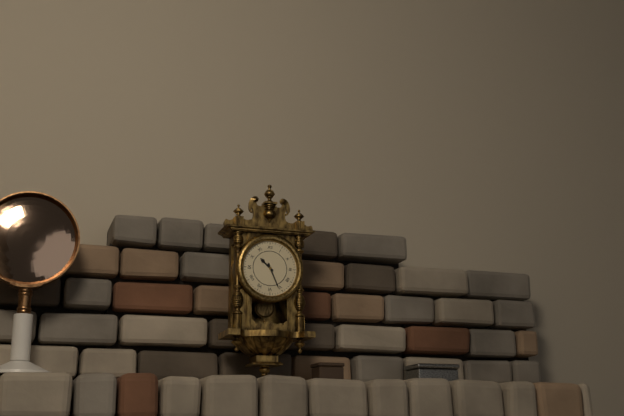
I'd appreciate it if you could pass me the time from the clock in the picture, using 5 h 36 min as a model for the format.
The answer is 10 h 26 min
